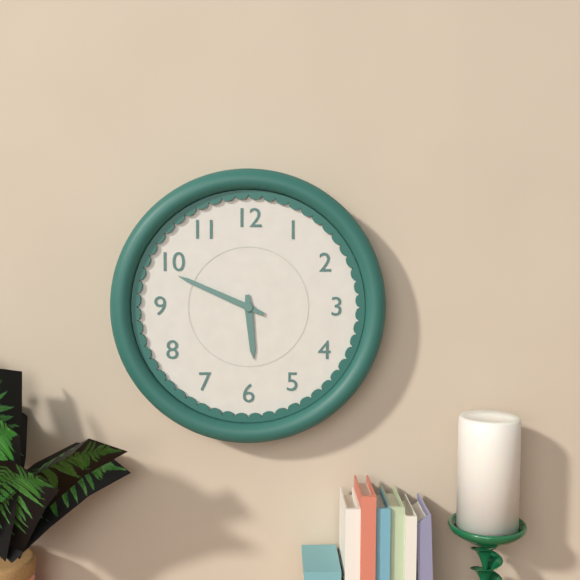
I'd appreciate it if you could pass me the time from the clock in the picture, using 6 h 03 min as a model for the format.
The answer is 5 h 49 min
